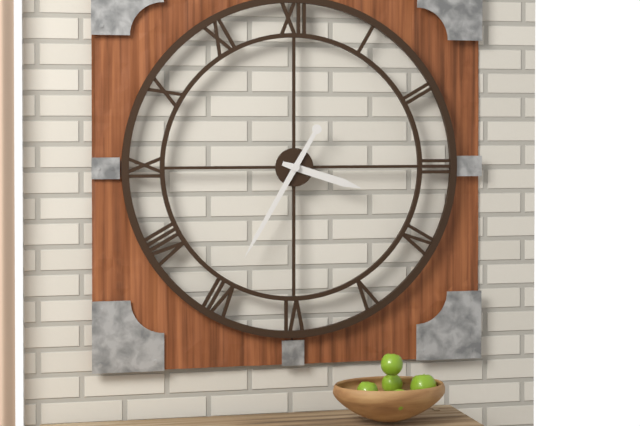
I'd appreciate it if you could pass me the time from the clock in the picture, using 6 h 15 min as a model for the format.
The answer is 3 h 35 min
